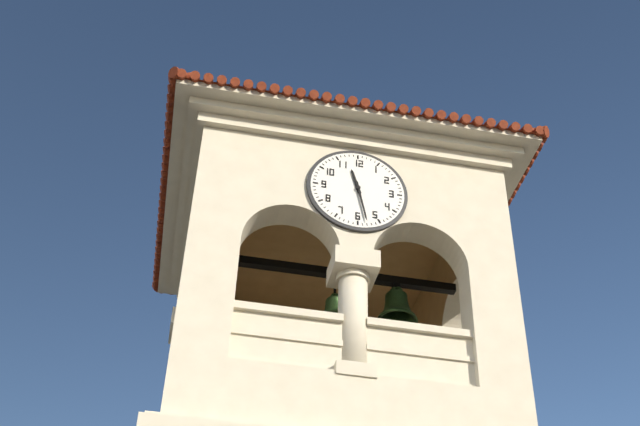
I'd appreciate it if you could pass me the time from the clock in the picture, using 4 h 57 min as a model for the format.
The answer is 11 h 28 min
